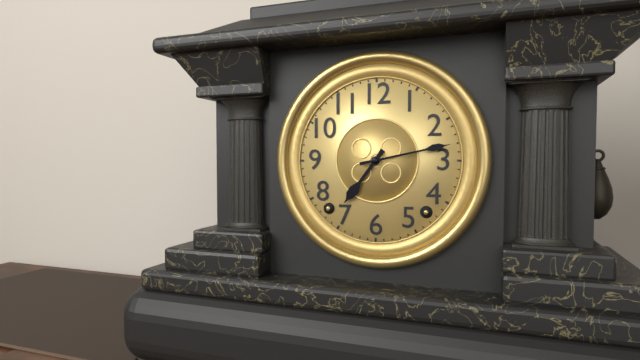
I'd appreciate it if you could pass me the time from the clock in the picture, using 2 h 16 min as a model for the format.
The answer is 7 h 13 min
